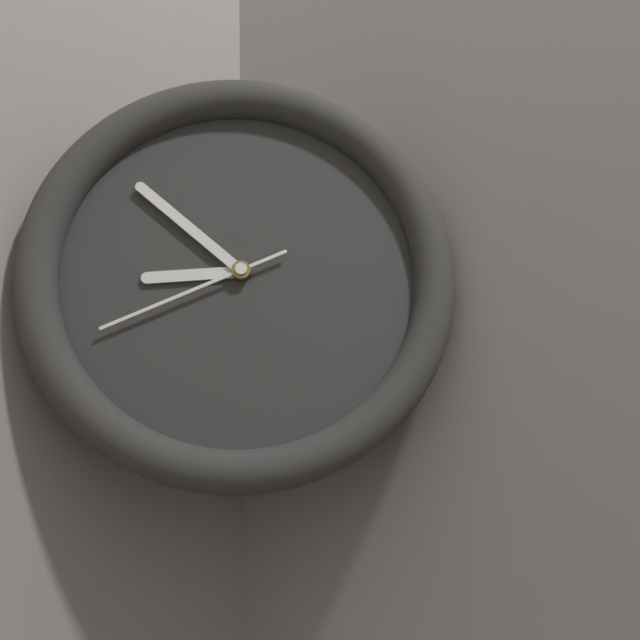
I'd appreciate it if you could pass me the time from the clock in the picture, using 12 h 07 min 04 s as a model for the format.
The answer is 8 h 52 min 41 s
